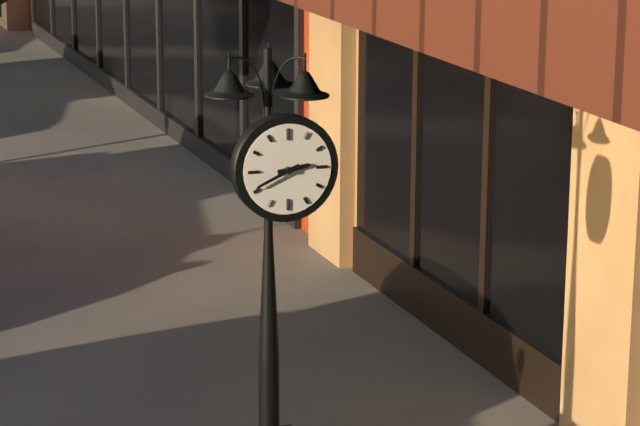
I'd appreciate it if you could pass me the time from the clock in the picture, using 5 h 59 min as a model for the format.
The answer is 2 h 41 min
